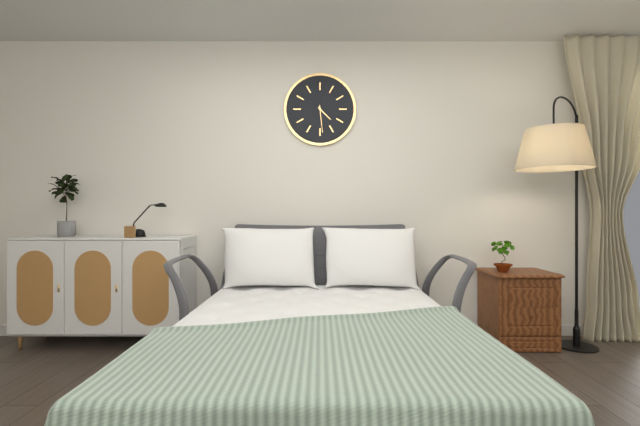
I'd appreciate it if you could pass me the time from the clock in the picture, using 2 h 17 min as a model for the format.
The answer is 4 h 29 min
